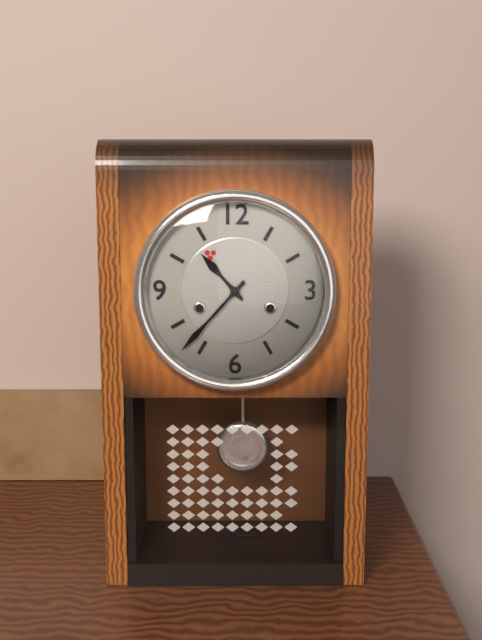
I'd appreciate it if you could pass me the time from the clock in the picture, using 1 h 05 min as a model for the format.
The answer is 10 h 37 min
